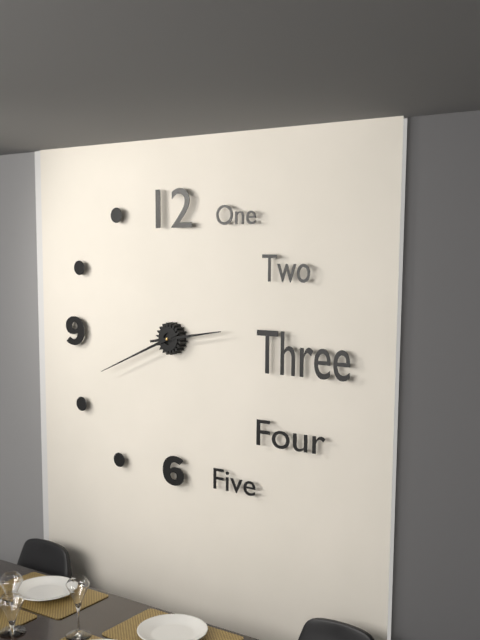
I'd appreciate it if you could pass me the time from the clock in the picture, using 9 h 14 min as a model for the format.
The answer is 2 h 41 min
